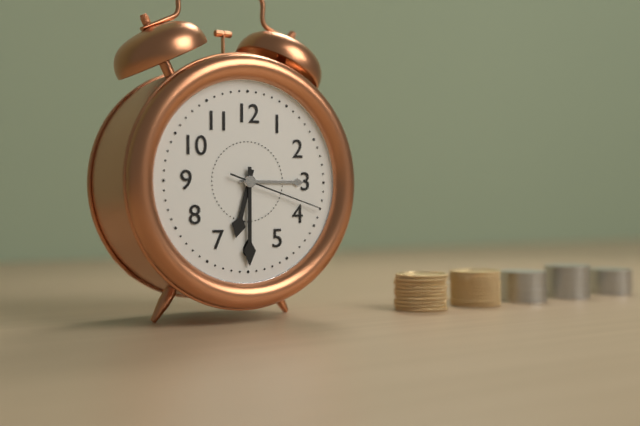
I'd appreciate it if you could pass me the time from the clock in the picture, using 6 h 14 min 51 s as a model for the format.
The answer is 6 h 30 min 18 s
